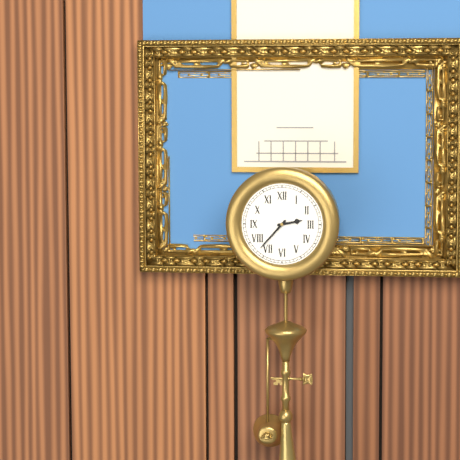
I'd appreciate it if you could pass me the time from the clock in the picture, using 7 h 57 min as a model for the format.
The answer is 2 h 37 min
